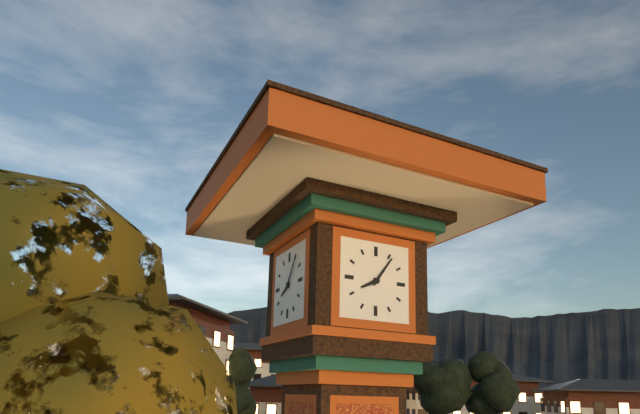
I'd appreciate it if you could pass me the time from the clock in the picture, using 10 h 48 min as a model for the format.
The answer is 8 h 06 min
